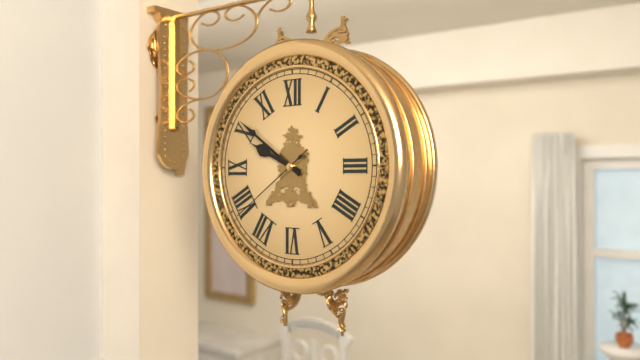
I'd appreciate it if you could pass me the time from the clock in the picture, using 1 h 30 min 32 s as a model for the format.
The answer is 9 h 51 min 39 s
